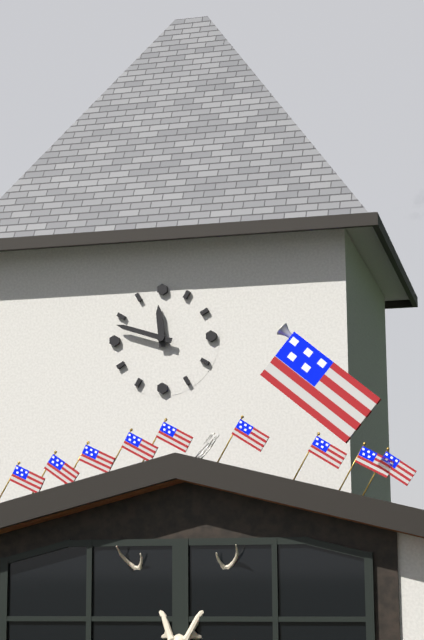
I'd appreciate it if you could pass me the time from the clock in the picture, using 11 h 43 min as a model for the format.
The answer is 11 h 48 min
